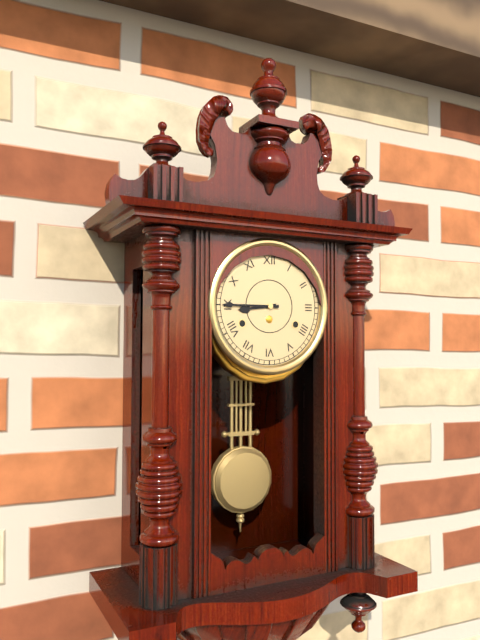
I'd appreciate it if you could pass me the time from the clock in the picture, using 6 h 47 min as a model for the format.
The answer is 8 h 45 min
